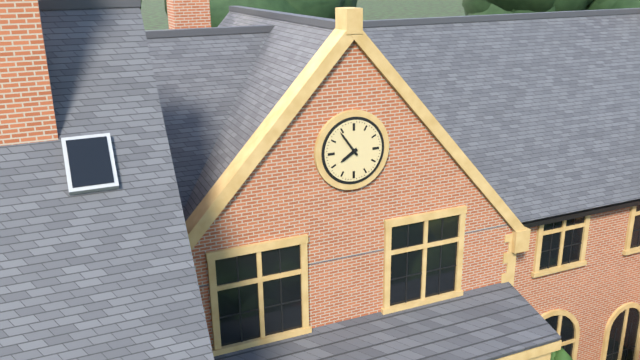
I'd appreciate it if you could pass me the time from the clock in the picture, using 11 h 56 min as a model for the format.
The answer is 7 h 54 min
